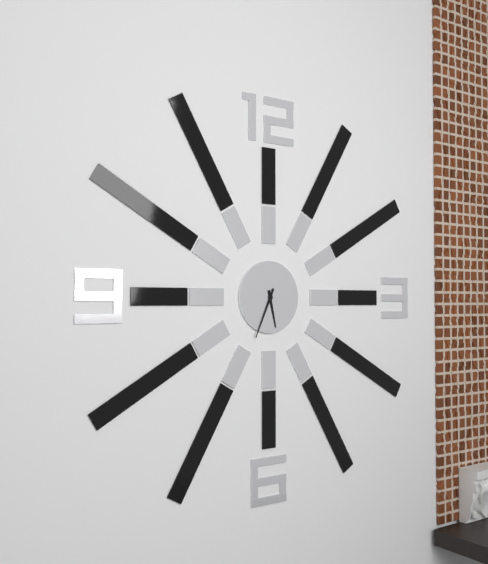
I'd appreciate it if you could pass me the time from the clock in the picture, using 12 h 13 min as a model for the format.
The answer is 5 h 34 min
